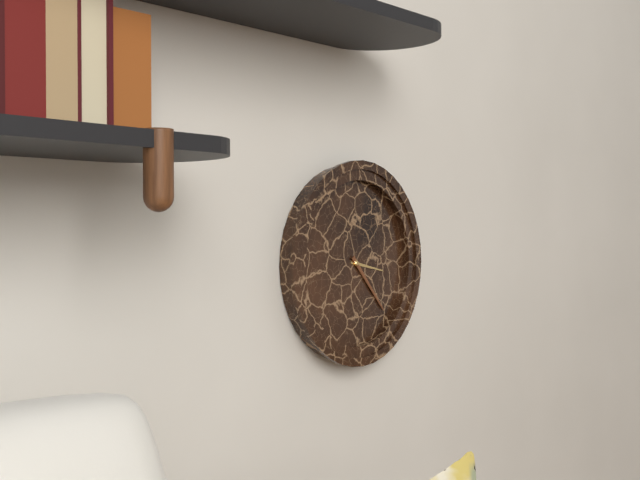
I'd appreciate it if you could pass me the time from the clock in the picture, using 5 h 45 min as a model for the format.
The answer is 3 h 23 min
